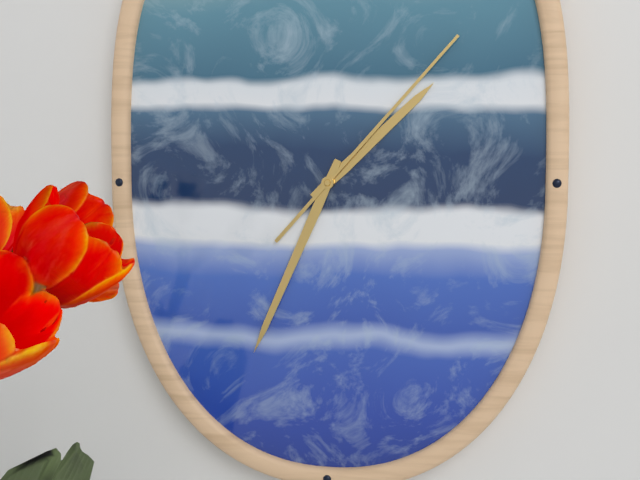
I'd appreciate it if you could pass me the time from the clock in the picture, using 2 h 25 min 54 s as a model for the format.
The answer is 1 h 34 min 07 s
